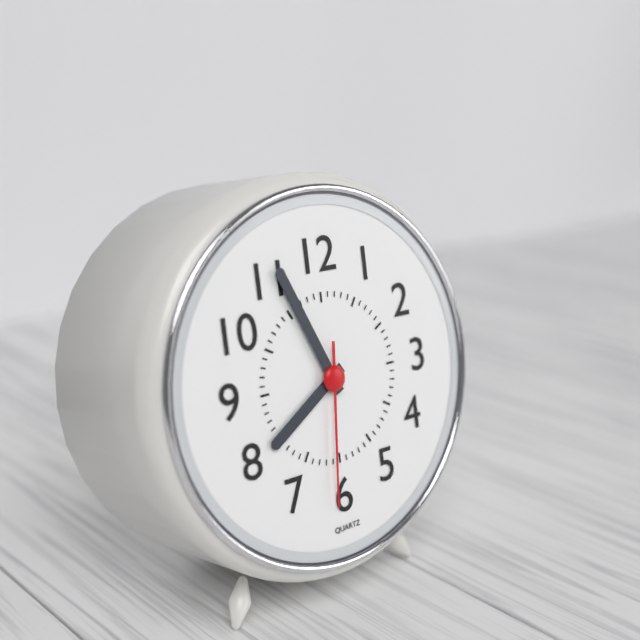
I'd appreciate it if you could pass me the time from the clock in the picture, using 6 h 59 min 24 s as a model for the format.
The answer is 7 h 56 min 31 s
